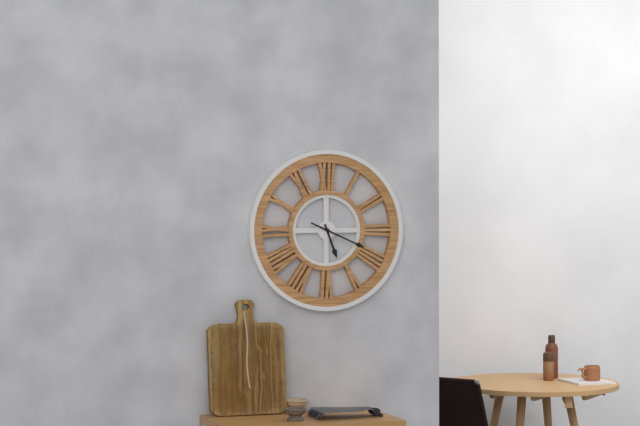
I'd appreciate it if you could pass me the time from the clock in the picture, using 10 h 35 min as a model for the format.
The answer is 5 h 19 min
